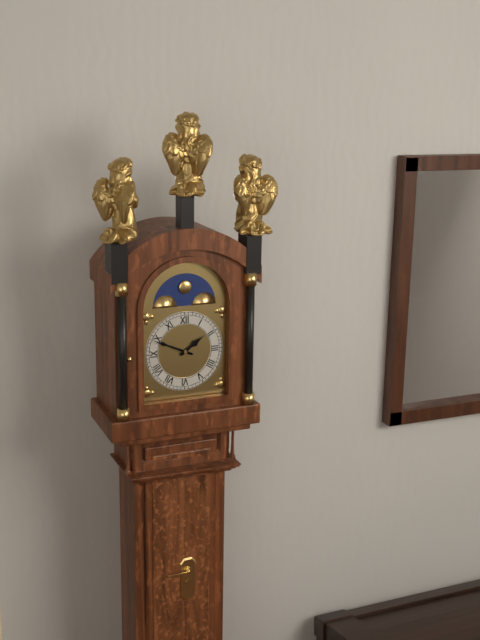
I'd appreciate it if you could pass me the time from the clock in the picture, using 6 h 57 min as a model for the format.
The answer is 1 h 49 min
